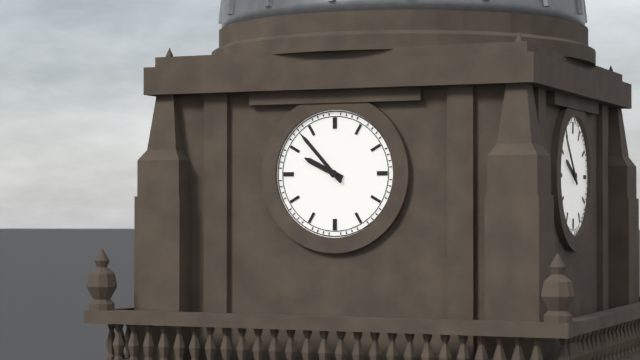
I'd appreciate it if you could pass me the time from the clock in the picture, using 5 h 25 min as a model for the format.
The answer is 9 h 53 min
